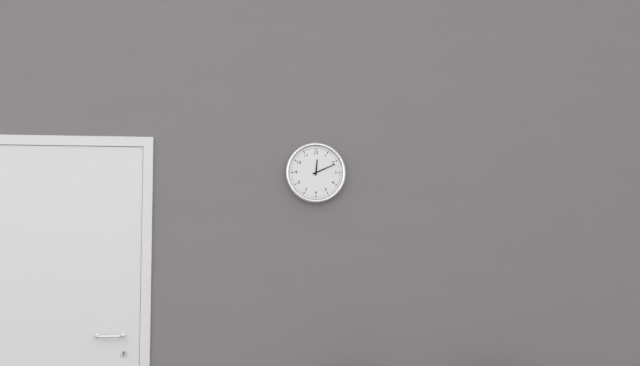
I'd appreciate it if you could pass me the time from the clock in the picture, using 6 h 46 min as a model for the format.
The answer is 12 h 11 min
